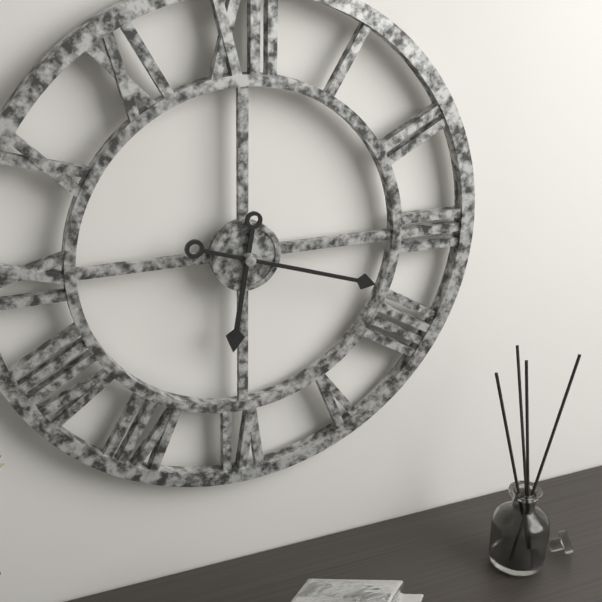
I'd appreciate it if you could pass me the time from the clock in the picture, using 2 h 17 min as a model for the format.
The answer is 6 h 18 min
